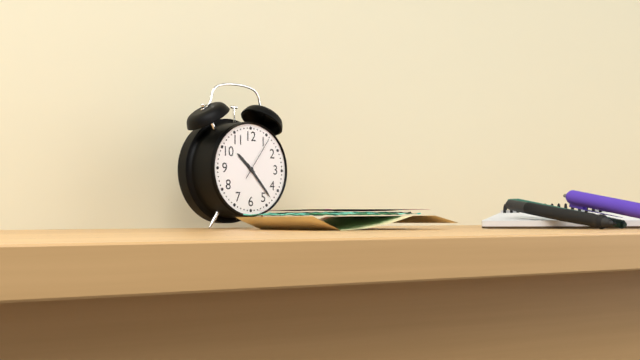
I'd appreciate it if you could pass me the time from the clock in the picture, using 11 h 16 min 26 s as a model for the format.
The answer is 10 h 23 min 06 s
